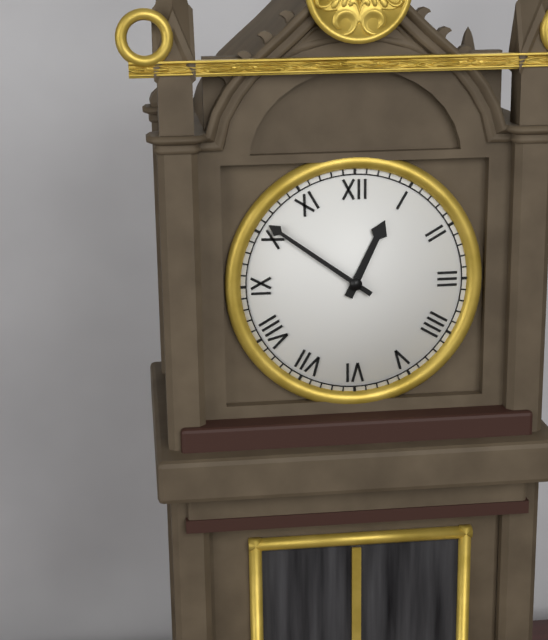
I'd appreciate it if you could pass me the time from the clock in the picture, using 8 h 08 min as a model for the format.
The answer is 12 h 51 min
